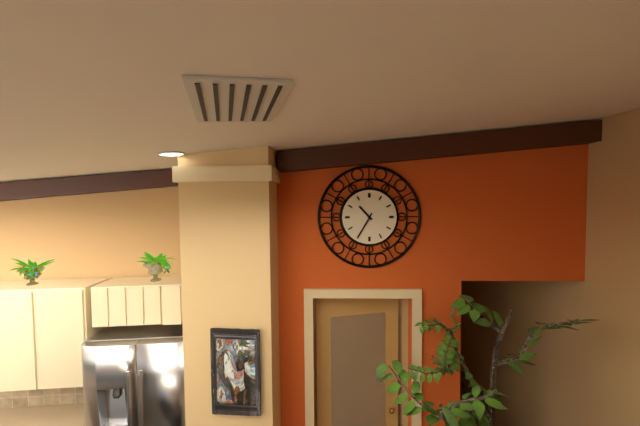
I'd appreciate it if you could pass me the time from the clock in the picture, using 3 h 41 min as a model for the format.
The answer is 10 h 35 min
